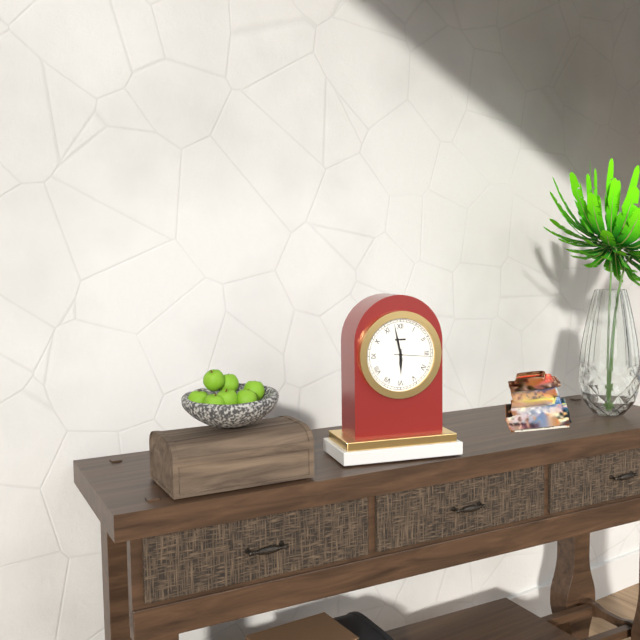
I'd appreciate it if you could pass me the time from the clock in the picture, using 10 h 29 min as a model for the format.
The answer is 5 h 58 min
